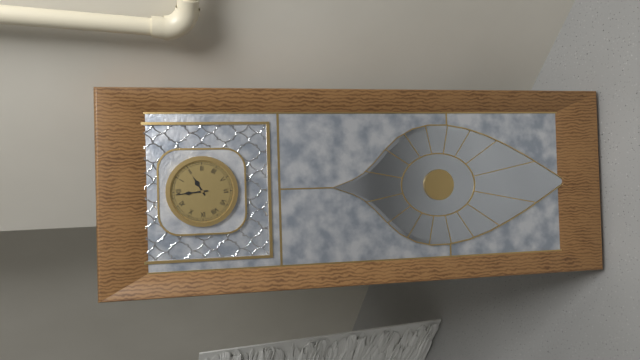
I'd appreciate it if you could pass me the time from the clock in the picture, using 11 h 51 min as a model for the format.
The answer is 1 h 59 min
